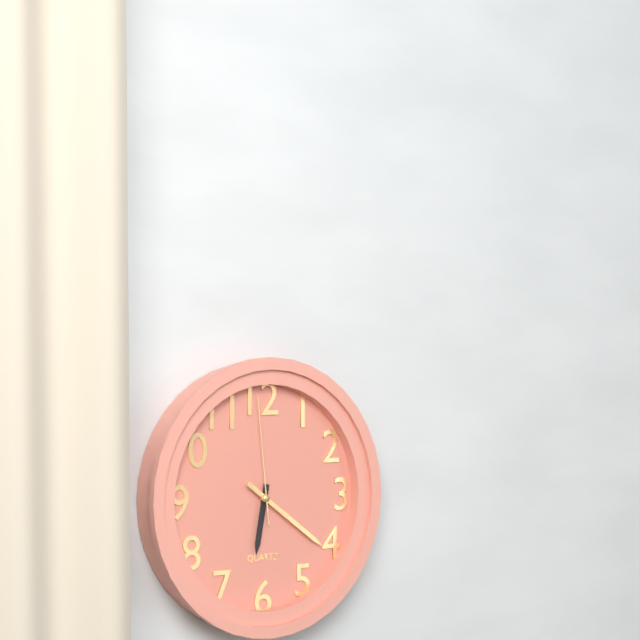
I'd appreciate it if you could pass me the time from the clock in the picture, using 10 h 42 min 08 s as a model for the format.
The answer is 6 h 21 min 59 s
